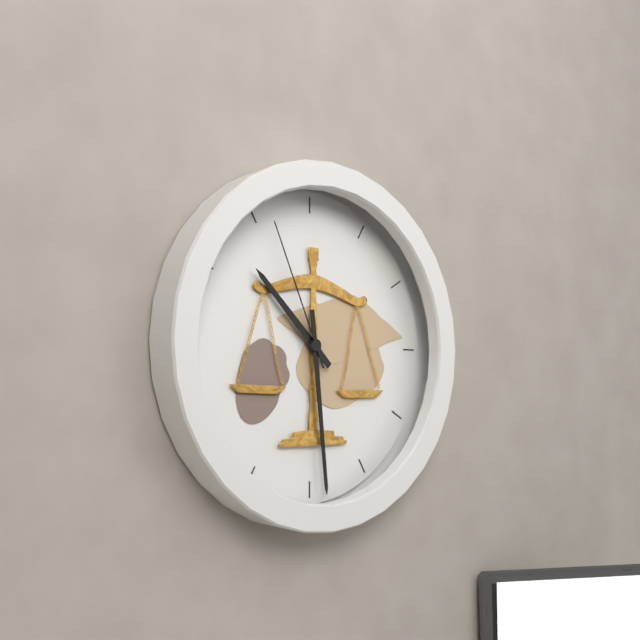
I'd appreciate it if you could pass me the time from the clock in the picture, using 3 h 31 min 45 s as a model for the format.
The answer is 10 h 29 min 56 s
